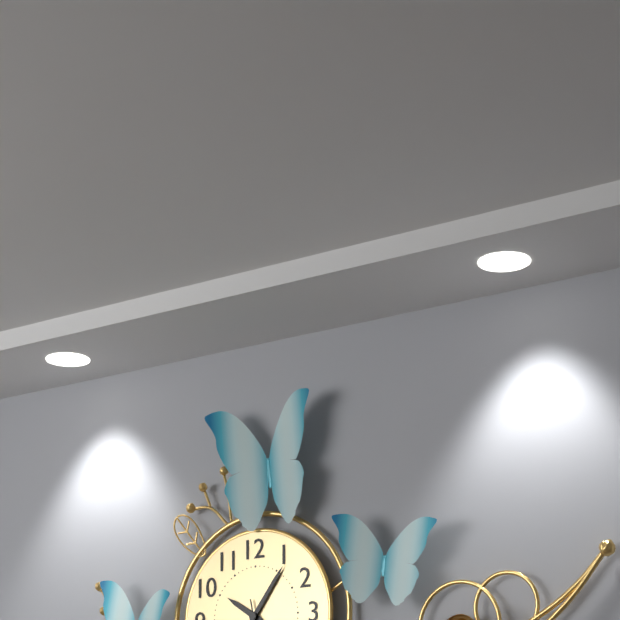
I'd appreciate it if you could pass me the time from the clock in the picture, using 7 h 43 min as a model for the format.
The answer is 10 h 06 min
